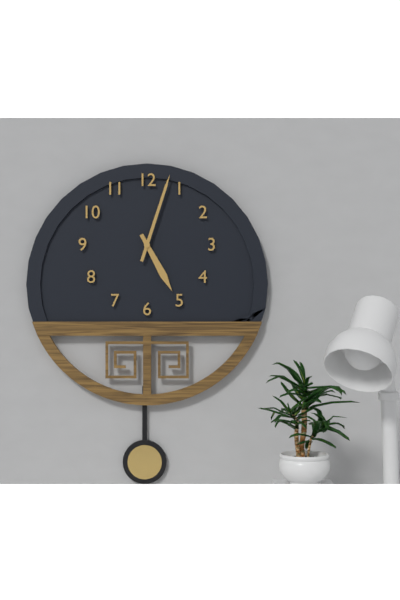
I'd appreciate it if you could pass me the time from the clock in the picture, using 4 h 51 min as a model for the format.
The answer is 5 h 03 min
